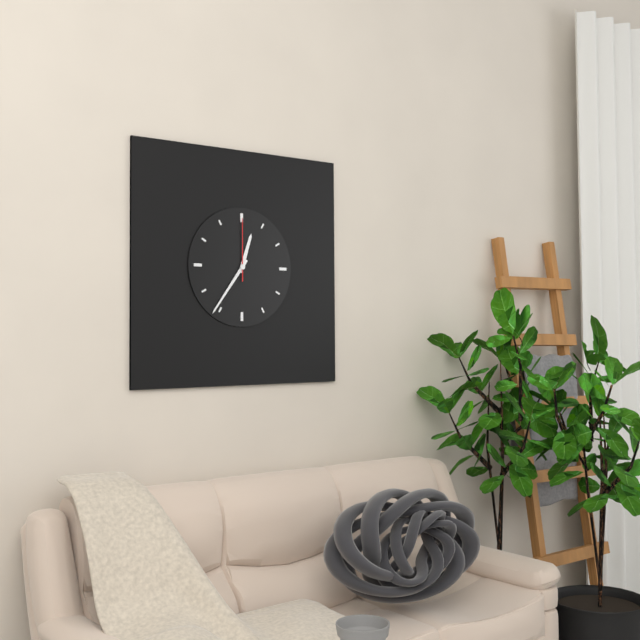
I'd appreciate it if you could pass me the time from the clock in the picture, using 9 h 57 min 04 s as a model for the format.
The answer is 12 h 36 min 00 s
